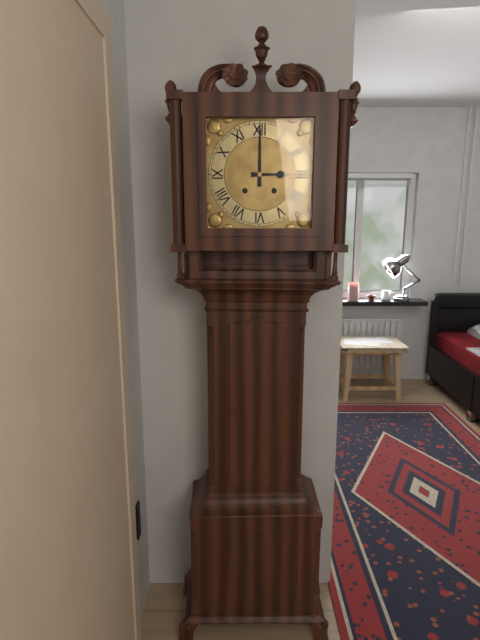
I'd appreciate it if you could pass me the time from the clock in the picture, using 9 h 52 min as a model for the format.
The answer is 3 h 00 min
